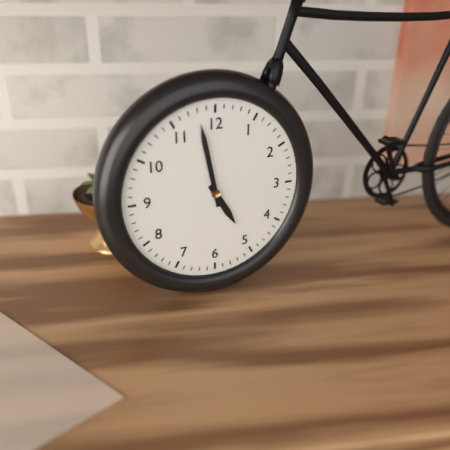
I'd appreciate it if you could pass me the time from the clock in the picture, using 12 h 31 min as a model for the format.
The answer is 4 h 58 min
